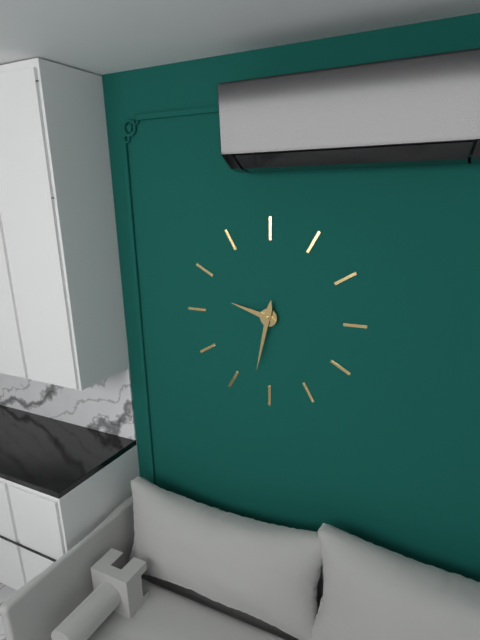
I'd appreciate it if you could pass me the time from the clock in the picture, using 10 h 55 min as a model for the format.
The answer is 9 h 32 min
